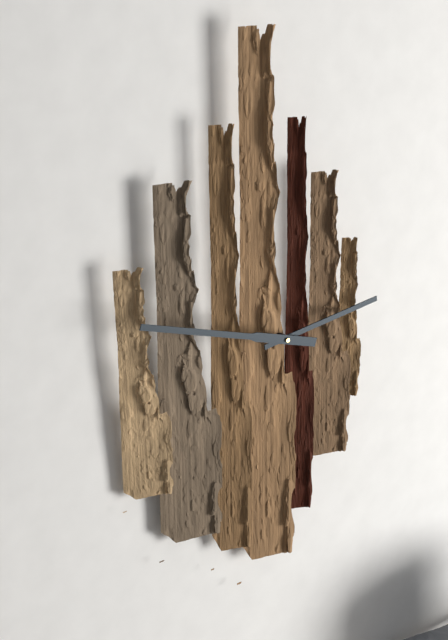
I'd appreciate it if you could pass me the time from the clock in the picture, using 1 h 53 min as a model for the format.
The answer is 2 h 48 min
